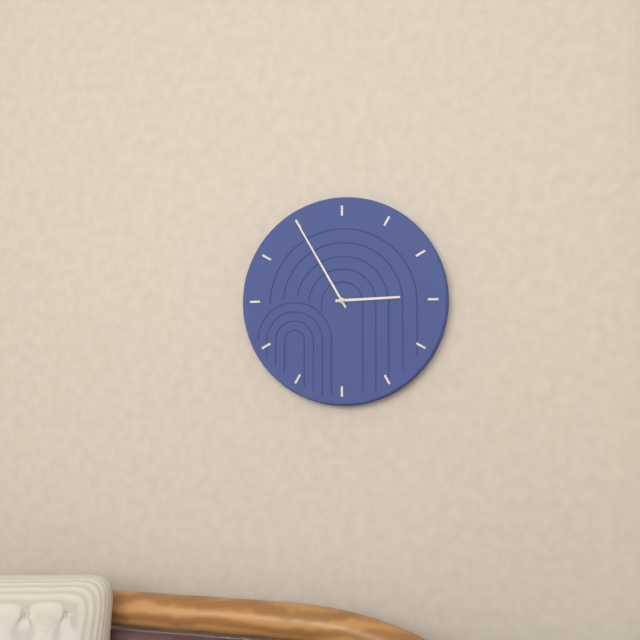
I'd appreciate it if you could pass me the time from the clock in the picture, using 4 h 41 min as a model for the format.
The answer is 2 h 55 min
